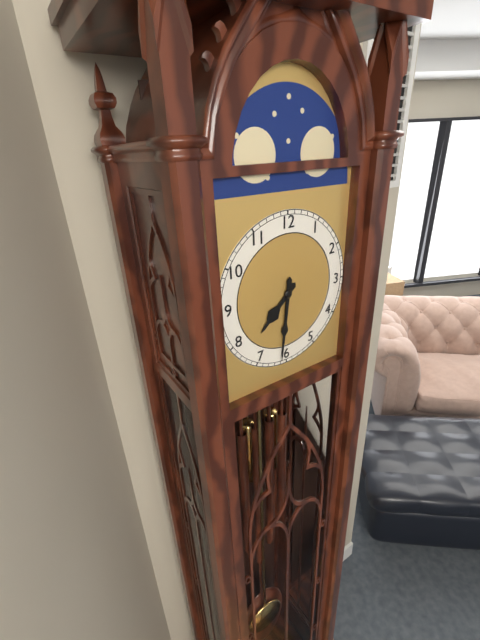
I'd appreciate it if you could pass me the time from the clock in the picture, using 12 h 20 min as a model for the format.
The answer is 7 h 31 min
